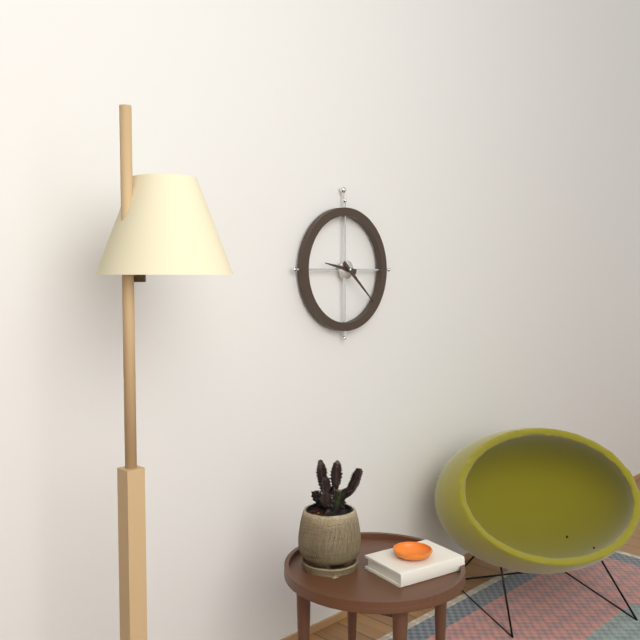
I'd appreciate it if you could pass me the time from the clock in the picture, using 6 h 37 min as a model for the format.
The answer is 9 h 22 min
